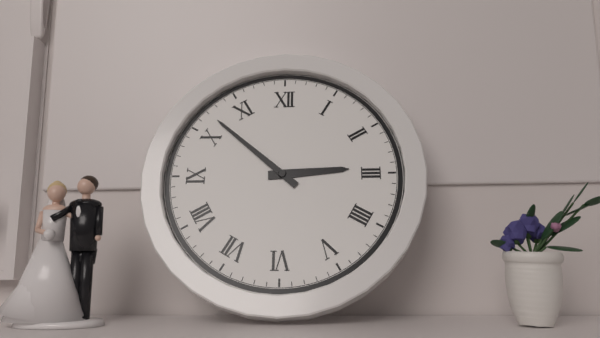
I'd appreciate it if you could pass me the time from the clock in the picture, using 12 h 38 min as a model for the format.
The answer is 2 h 52 min
